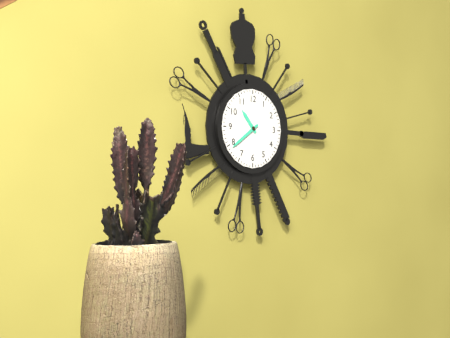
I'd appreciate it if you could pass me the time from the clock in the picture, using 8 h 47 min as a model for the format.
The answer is 10 h 39 min
